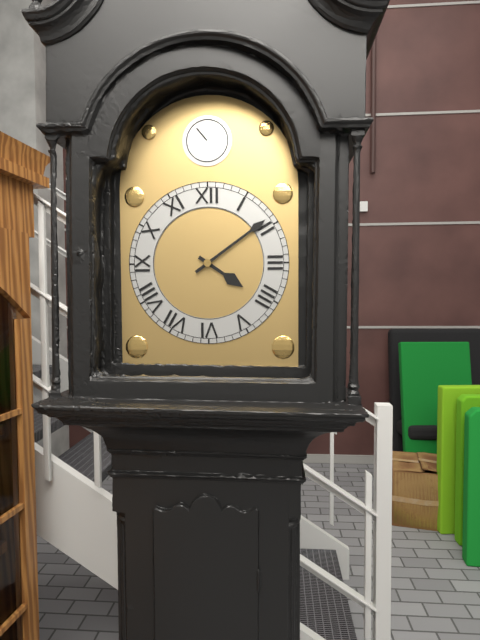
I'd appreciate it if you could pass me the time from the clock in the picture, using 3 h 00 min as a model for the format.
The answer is 4 h 09 min
